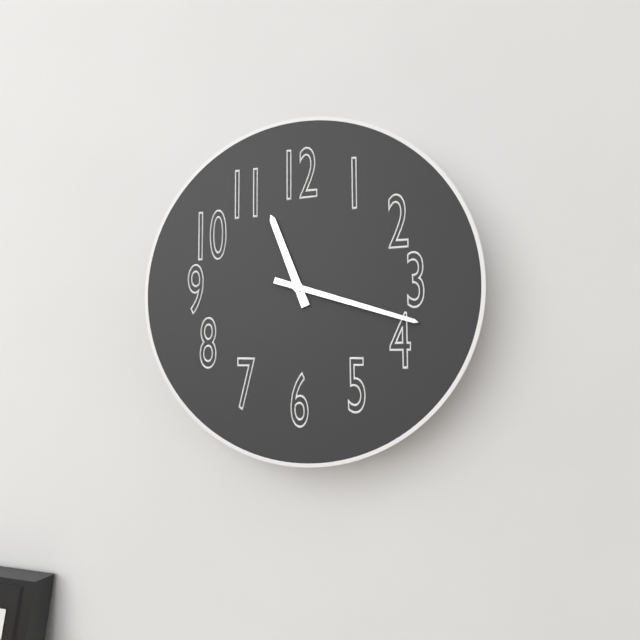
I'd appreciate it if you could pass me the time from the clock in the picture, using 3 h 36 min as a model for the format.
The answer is 11 h 18 min
